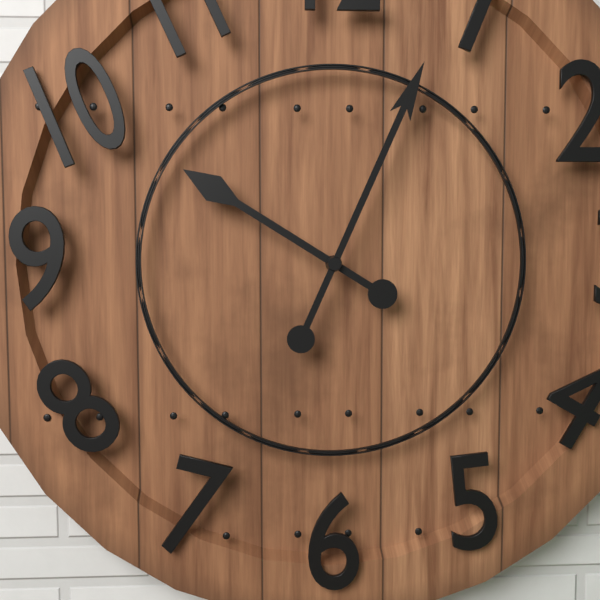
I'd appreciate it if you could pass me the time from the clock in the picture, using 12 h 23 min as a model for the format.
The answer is 10 h 04 min
